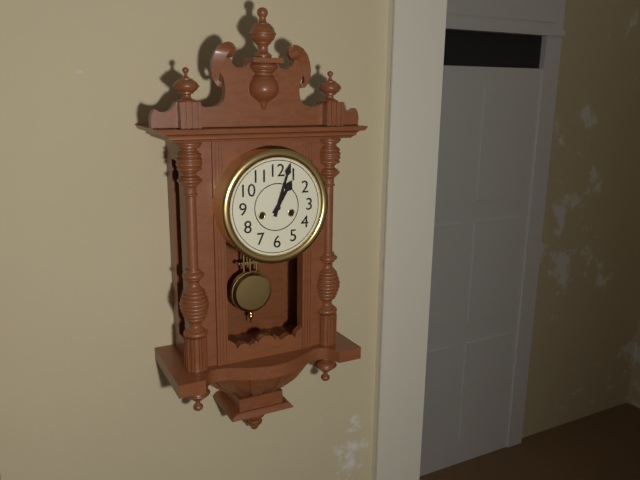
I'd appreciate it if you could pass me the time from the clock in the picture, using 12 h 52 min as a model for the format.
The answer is 1 h 03 min
